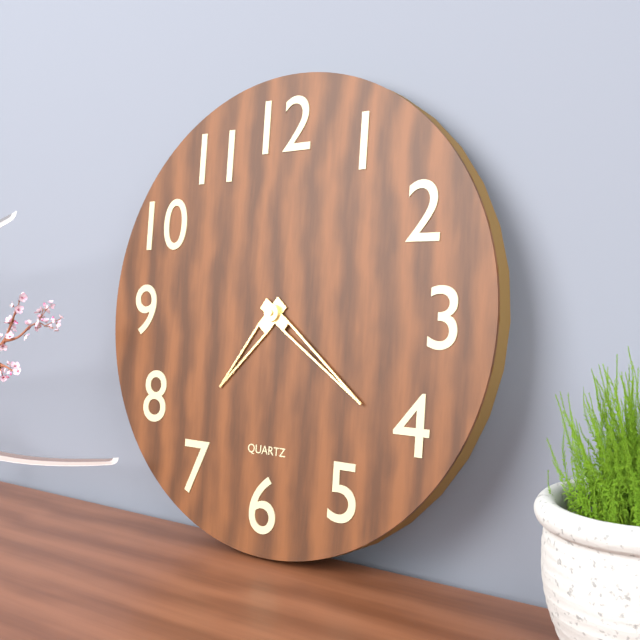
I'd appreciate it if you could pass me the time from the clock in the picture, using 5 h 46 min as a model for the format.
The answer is 7 h 21 min
